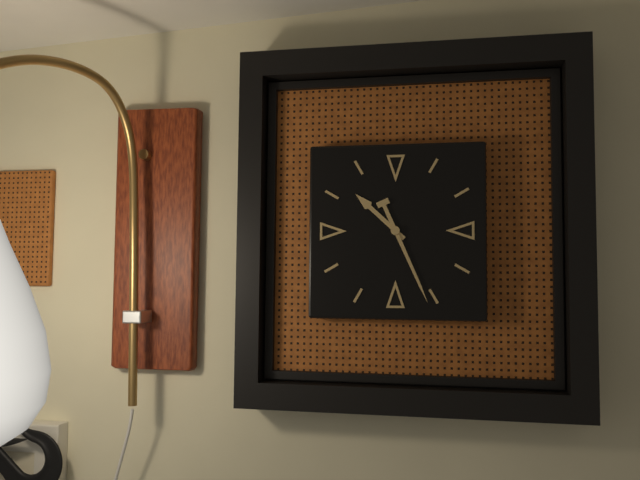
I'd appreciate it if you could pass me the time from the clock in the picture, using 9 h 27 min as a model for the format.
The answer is 10 h 26 min
